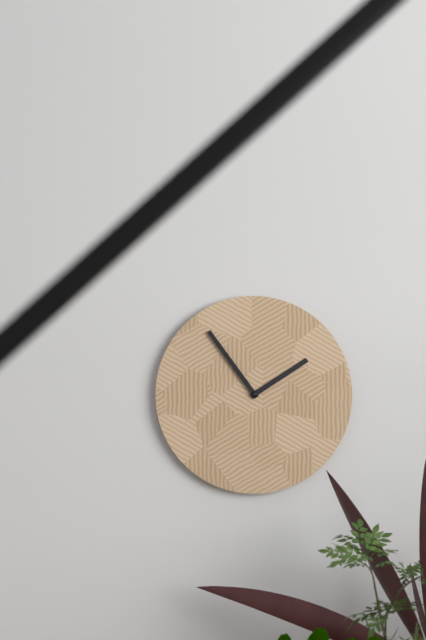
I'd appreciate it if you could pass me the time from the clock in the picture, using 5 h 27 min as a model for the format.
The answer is 1 h 54 min
